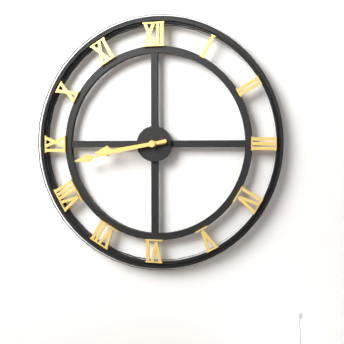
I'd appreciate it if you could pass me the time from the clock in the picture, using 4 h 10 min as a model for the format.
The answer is 8 h 43 min
